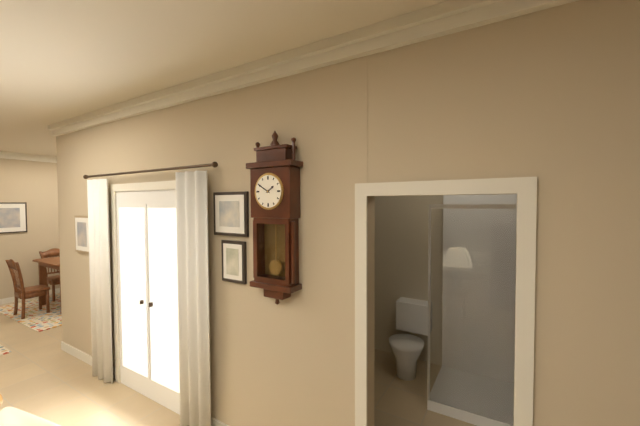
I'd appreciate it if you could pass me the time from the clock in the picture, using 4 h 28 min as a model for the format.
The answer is 1 h 50 min
